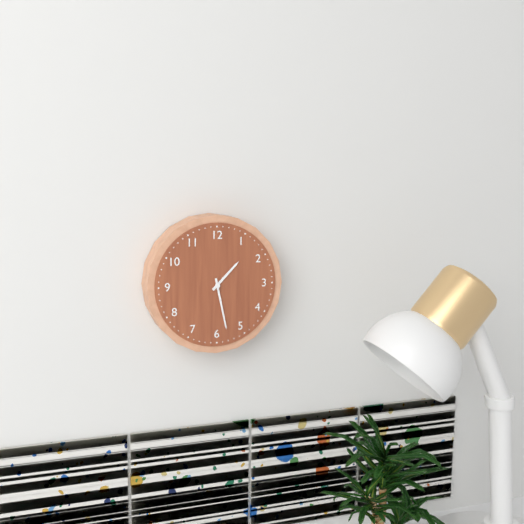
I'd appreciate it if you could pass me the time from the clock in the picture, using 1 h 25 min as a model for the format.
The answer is 1 h 28 min
